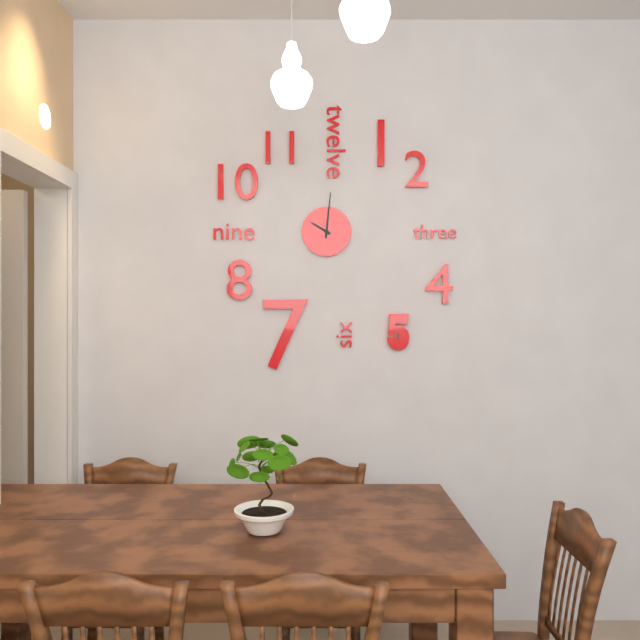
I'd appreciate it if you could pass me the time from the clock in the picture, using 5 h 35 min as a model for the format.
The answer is 10 h 01 min
